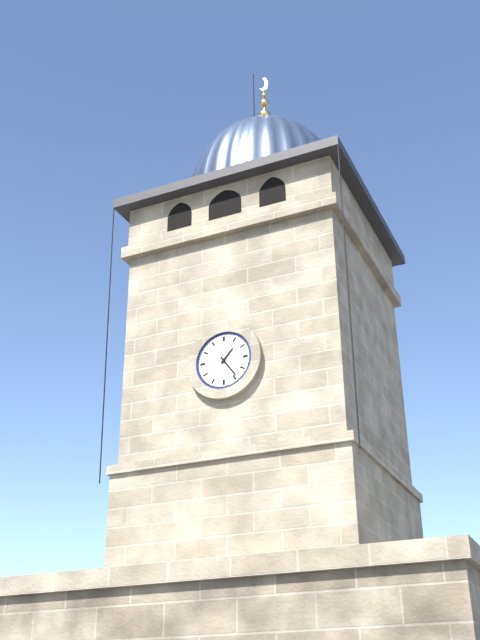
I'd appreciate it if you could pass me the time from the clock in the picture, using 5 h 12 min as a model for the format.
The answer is 1 h 24 min
